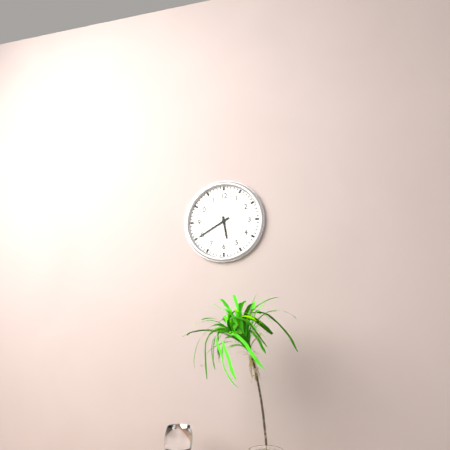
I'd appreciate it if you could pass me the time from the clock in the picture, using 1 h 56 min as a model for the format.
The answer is 5 h 40 min
